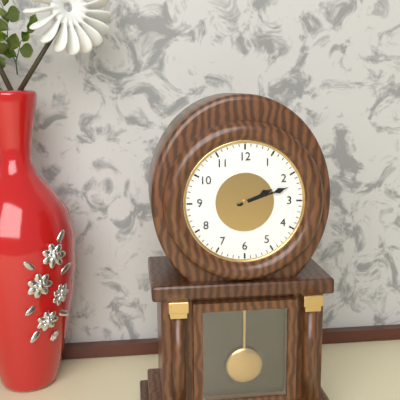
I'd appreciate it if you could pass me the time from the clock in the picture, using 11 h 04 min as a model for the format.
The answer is 2 h 12 min
